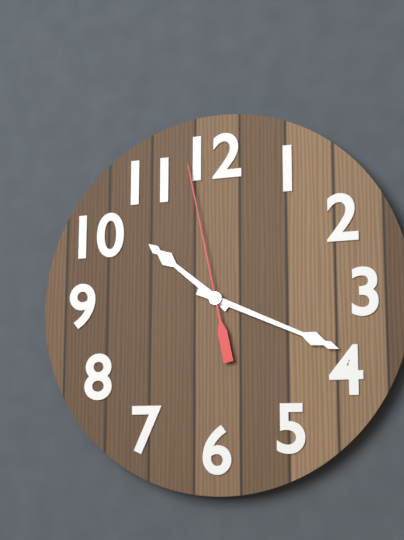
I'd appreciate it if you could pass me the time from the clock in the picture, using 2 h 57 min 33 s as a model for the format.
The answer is 10 h 19 min 58 s
